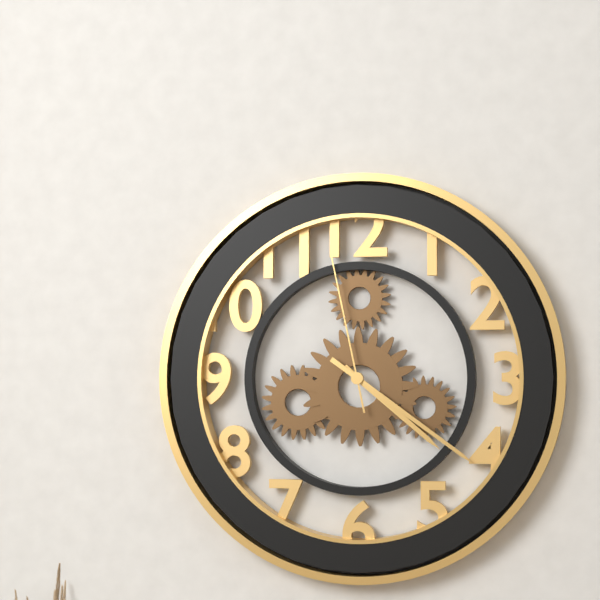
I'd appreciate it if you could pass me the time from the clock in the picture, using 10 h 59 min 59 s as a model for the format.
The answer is 4 h 21 min 58 s
